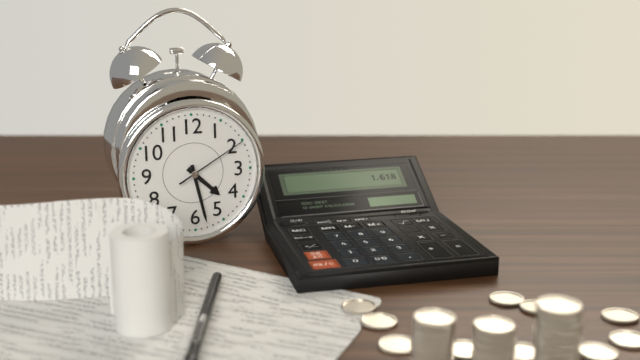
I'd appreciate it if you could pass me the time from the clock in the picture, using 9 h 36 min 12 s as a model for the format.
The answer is 4 h 28 min 10 s
